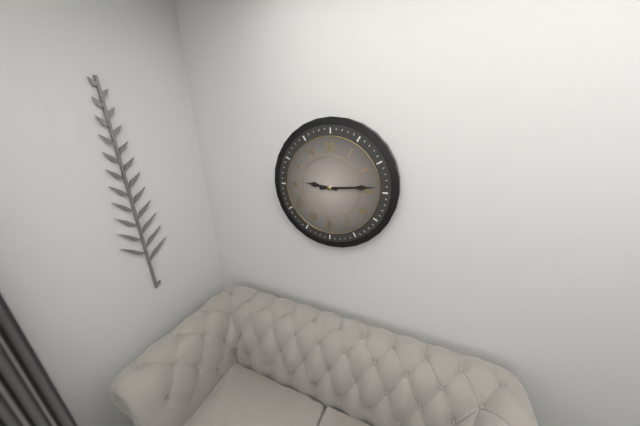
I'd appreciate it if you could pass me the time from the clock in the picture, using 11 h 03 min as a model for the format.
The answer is 9 h 14 min
